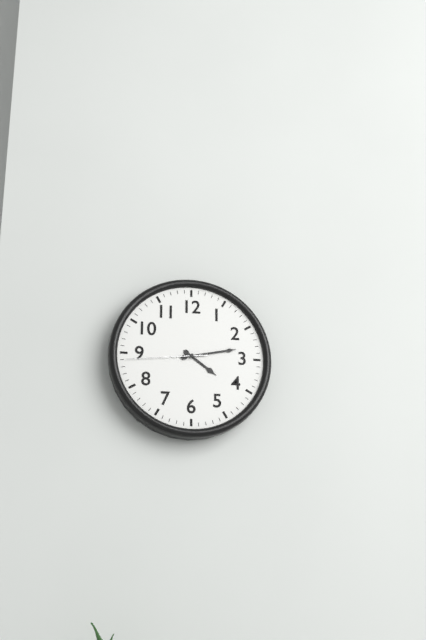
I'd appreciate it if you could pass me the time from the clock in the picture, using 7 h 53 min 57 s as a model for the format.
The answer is 4 h 13 min 44 s
